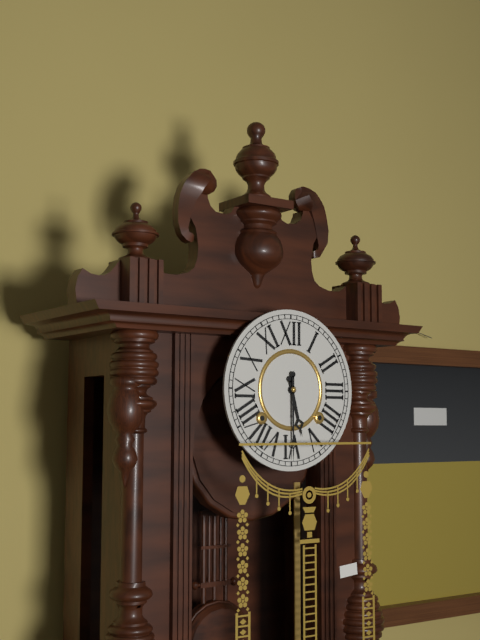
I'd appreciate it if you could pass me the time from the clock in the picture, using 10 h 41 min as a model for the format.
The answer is 5 h 30 min
